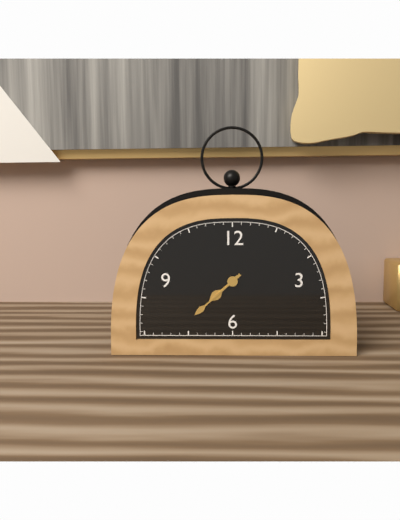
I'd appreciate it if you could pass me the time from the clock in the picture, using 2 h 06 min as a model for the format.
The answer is 7 h 38 min
